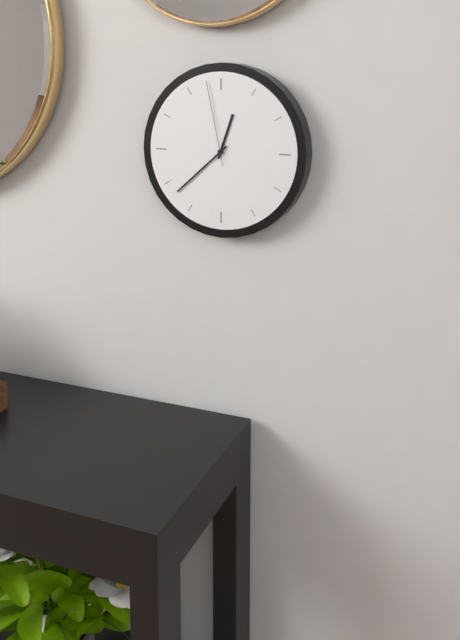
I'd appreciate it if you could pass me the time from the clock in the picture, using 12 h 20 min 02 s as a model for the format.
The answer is 12 h 38 min 58 s
